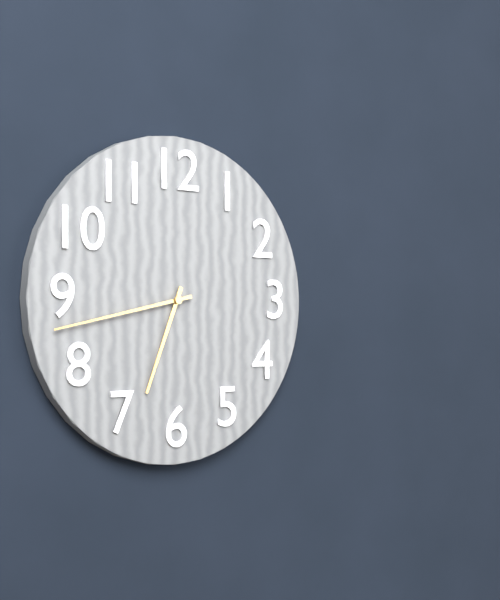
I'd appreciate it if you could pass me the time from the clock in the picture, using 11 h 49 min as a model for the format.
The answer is 6 h 43 min
